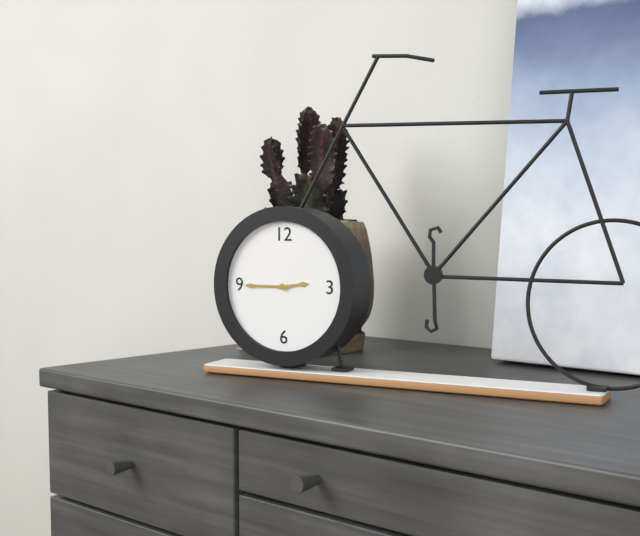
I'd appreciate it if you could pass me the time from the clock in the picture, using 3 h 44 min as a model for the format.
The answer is 2 h 45 min
